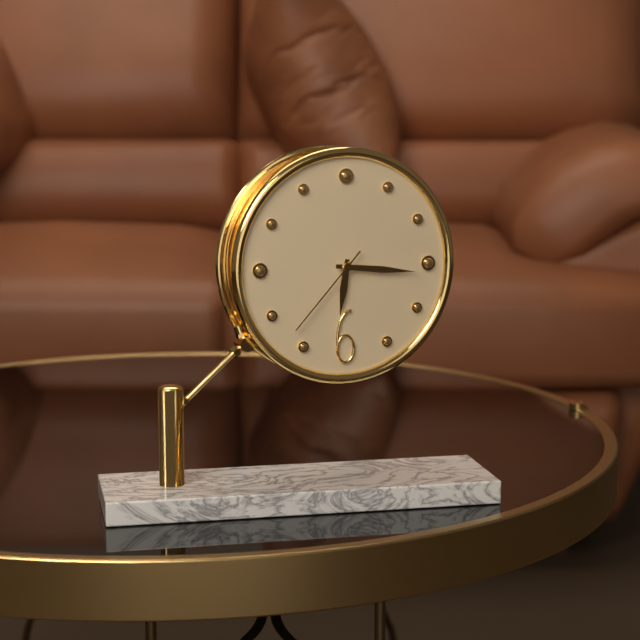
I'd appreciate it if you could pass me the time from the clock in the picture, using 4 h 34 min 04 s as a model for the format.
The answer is 6 h 16 min 37 s
